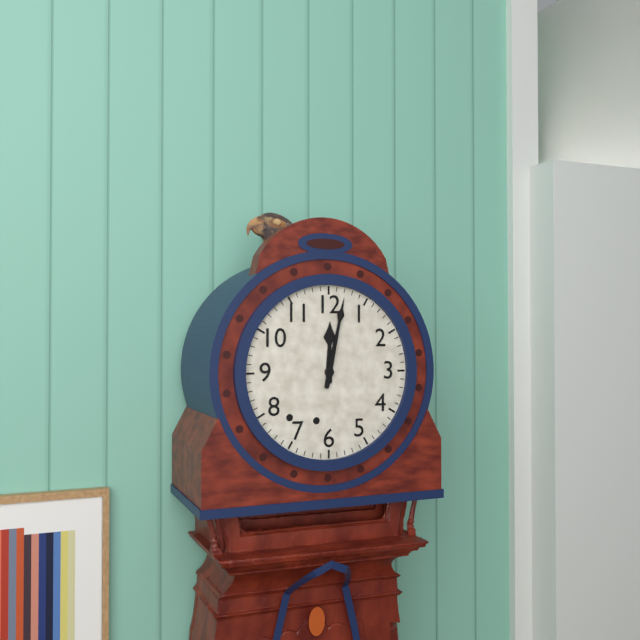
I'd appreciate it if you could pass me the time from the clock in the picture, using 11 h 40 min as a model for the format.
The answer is 12 h 02 min
